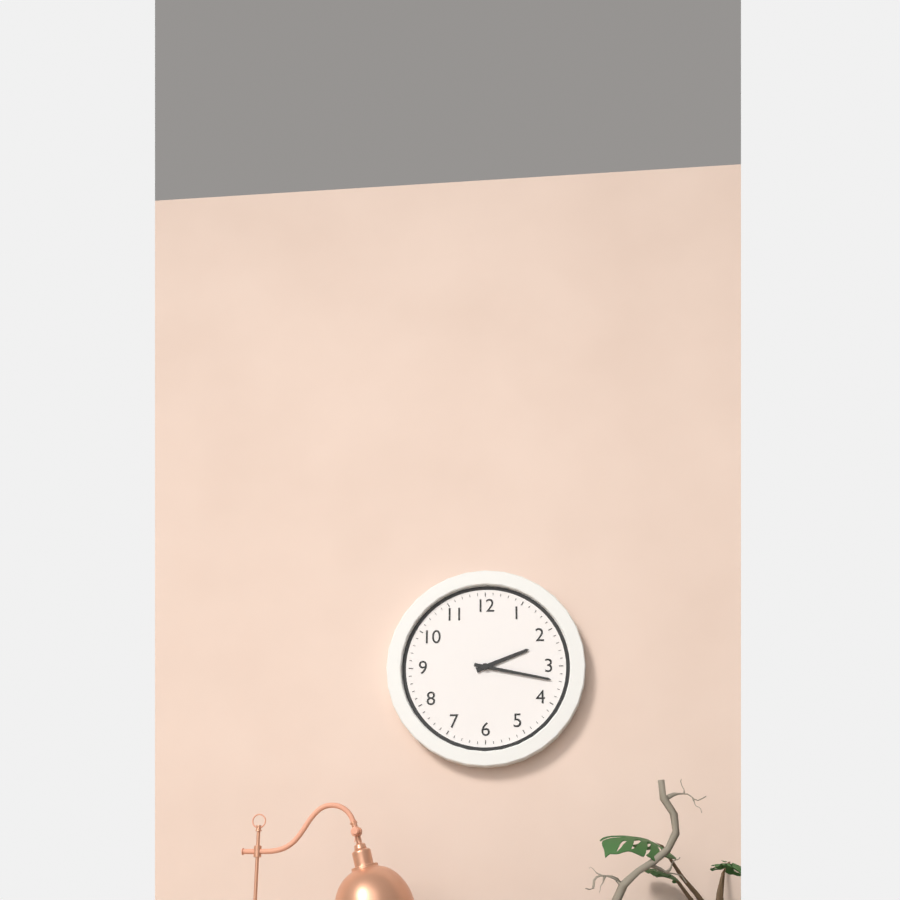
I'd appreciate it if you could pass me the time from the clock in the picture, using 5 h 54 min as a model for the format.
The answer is 2 h 17 min
